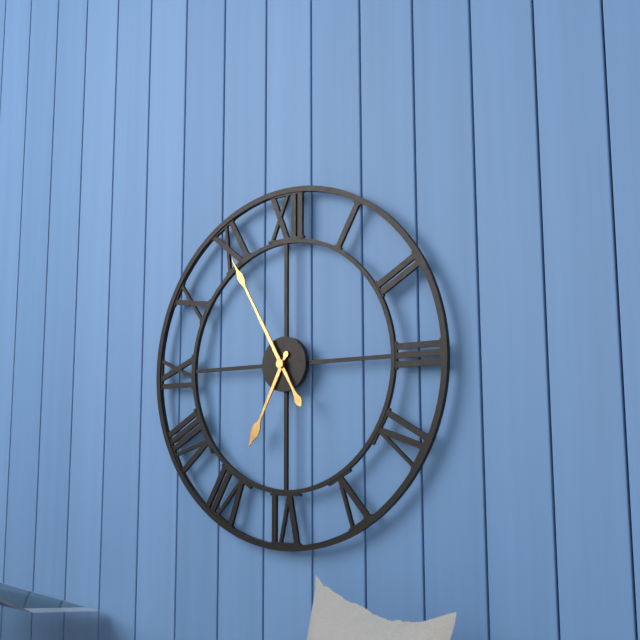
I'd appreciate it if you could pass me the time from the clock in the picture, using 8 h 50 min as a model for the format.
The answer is 6 h 55 min
